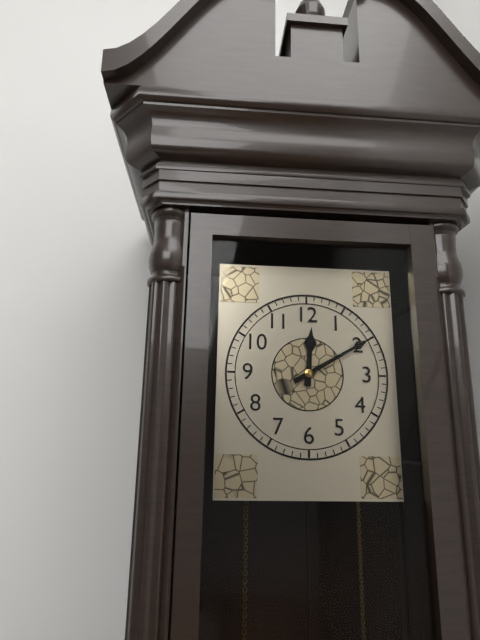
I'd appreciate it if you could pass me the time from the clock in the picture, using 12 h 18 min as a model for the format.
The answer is 12 h 10 min
